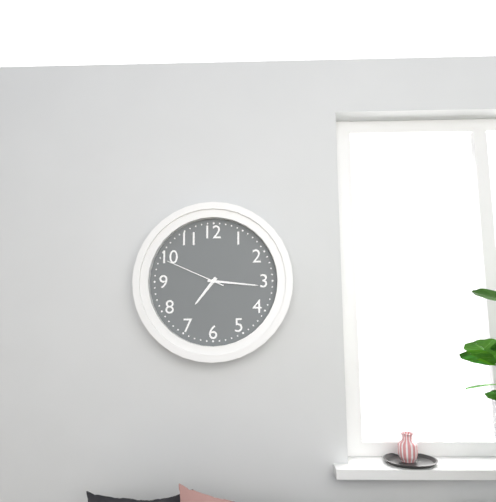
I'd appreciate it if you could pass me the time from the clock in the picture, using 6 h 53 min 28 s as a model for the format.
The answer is 7 h 16 min 49 s
